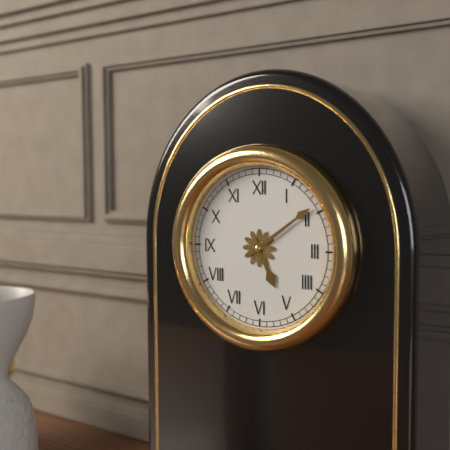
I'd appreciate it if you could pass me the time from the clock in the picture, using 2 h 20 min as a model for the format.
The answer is 5 h 09 min
